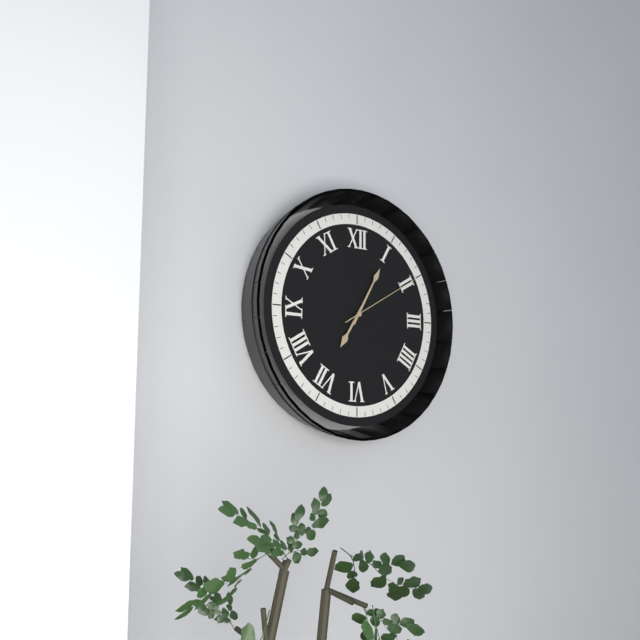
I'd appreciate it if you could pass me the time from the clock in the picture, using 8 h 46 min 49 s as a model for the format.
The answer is 7 h 05 min 10 s
